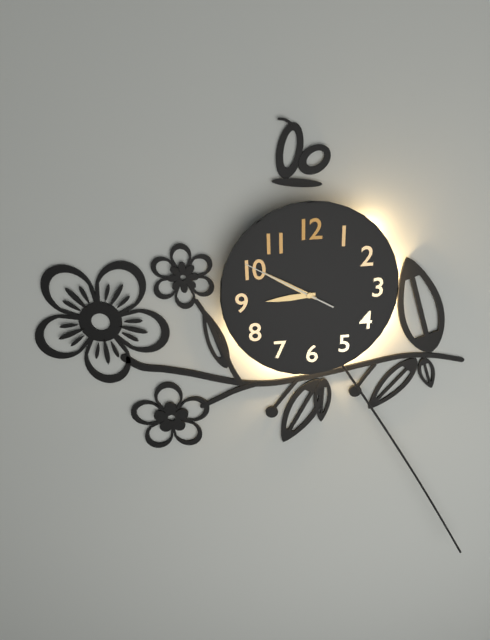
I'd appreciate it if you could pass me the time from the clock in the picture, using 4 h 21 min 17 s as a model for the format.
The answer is 8 h 50 min 50 s
